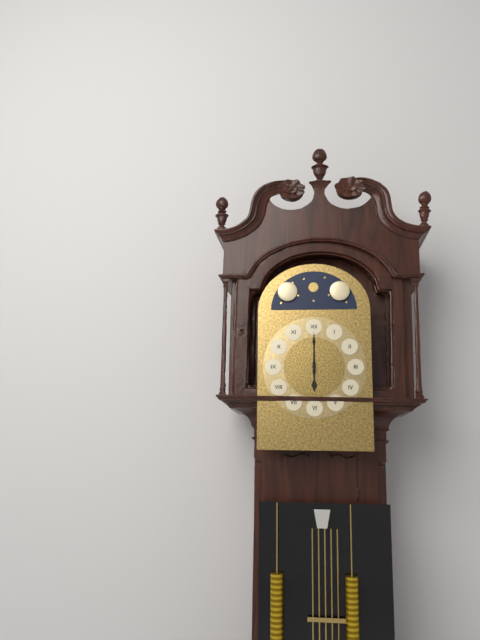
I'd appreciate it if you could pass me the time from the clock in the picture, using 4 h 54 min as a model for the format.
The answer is 6 h 00 min
